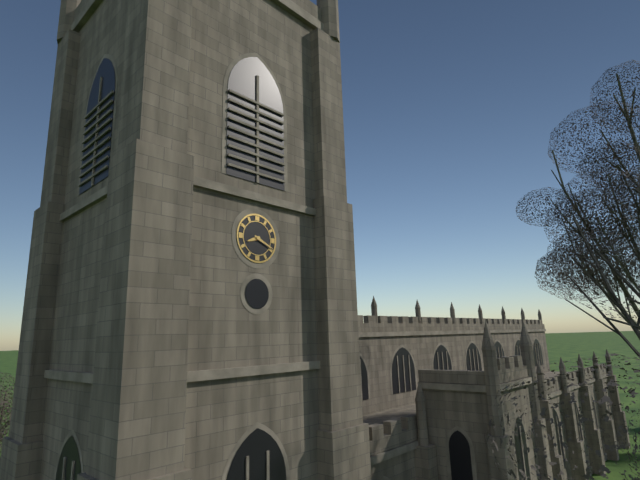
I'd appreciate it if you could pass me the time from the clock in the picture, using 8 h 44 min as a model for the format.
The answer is 8 h 19 min
